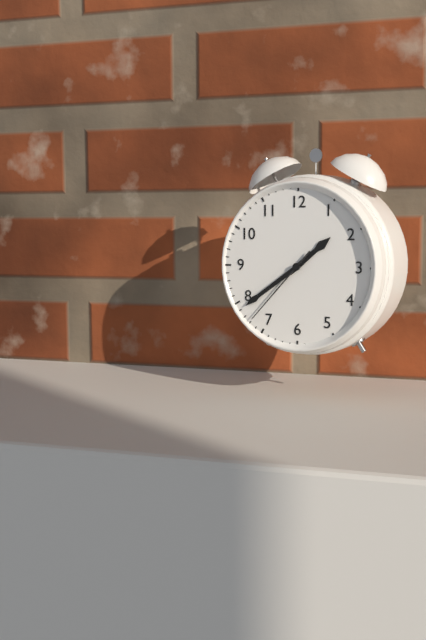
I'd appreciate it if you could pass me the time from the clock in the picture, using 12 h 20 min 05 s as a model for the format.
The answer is 1 h 39 min 37 s
